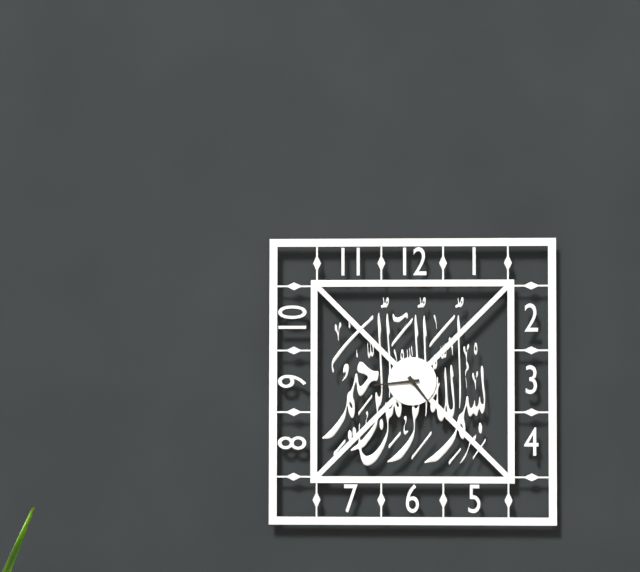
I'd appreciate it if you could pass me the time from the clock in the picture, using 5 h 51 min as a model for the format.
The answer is 4 h 44 min
